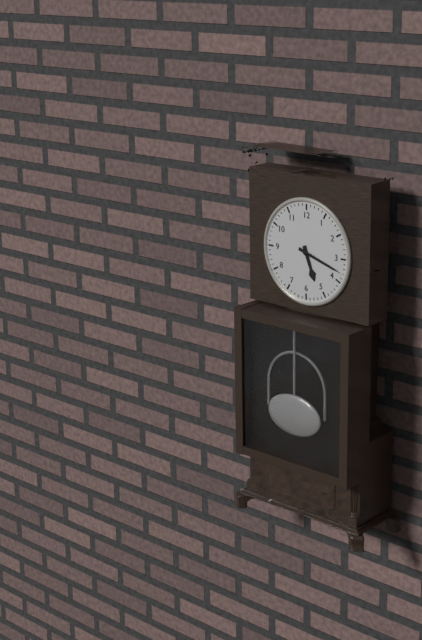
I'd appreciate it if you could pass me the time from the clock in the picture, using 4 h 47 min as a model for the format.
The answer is 5 h 18 min
